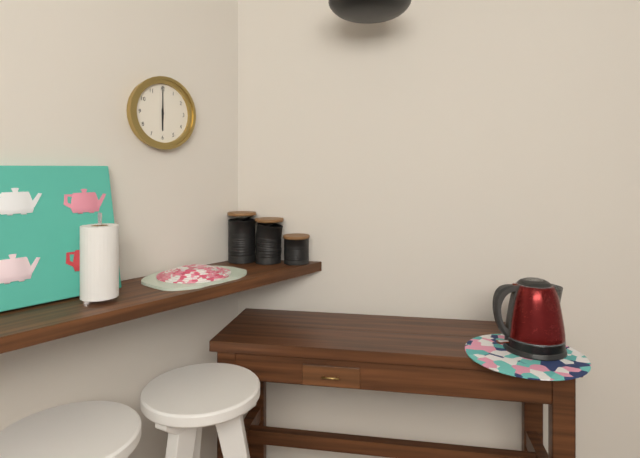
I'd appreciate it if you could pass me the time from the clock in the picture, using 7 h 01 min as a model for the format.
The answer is 6 h 00 min
